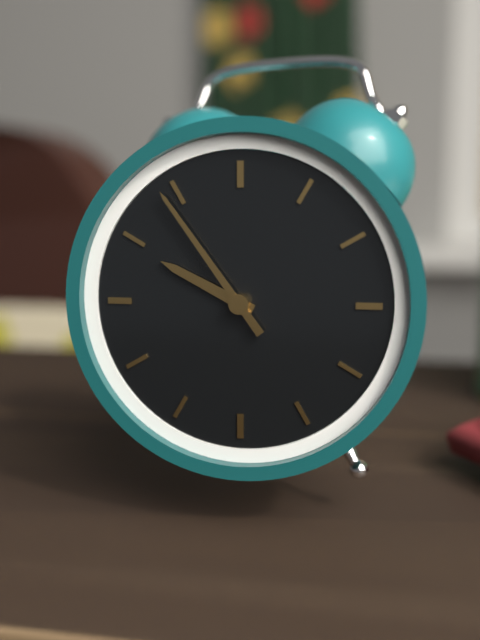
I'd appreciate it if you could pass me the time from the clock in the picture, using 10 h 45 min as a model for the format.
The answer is 9 h 54 min
